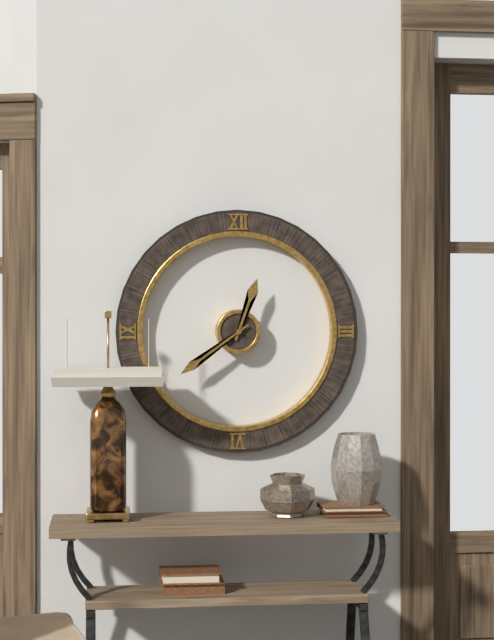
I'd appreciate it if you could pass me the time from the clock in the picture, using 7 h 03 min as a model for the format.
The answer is 12 h 39 min
